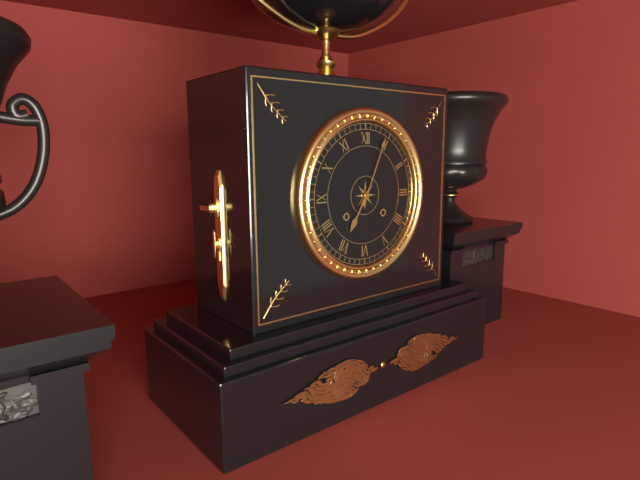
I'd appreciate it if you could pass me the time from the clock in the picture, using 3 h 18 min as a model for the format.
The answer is 7 h 04 min
